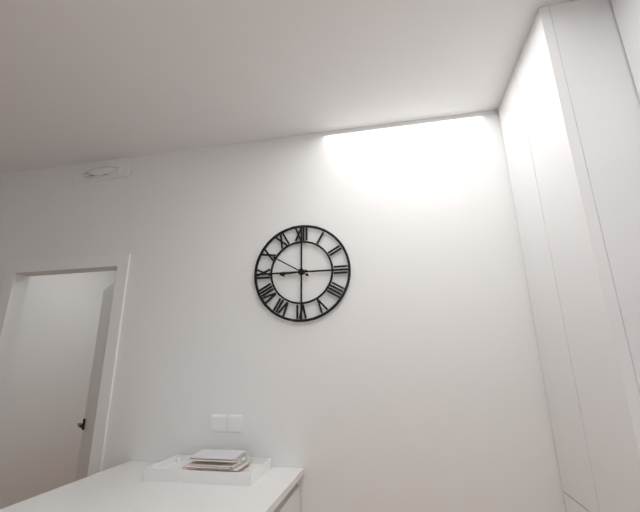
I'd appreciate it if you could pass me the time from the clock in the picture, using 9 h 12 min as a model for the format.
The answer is 8 h 50 min
